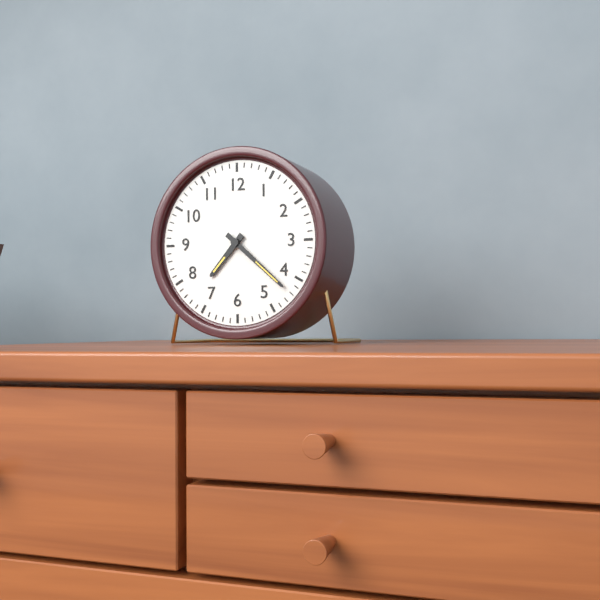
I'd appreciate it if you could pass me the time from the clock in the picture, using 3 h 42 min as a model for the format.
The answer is 7 h 22 min
